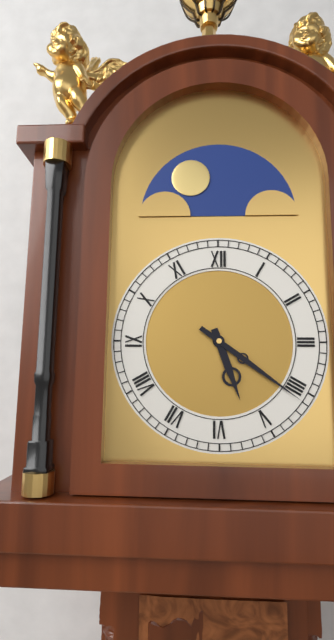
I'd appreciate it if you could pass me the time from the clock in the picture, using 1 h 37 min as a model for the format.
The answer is 5 h 21 min
